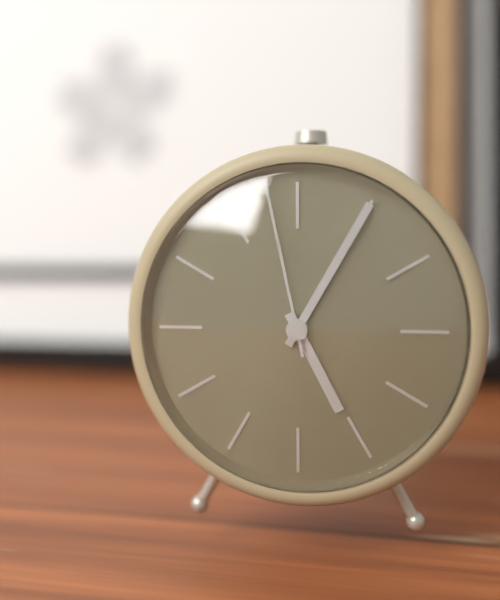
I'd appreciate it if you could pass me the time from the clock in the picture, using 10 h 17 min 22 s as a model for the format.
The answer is 5 h 05 min 58 s
